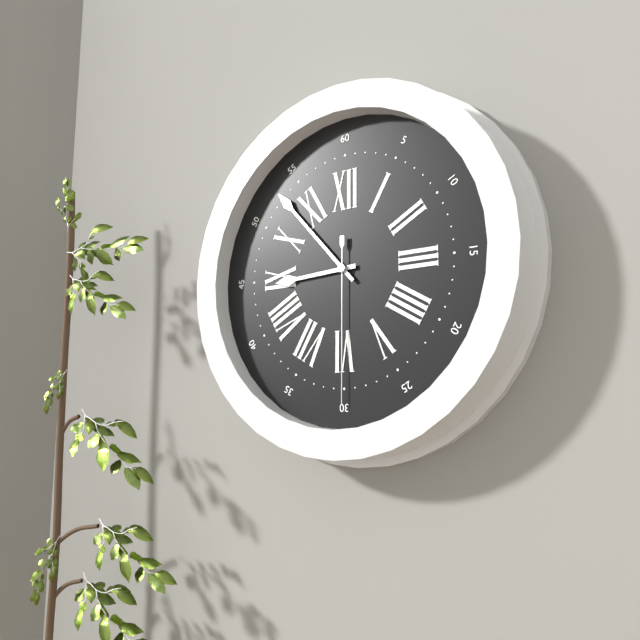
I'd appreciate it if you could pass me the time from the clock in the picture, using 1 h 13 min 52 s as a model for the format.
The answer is 8 h 53 min 30 s
